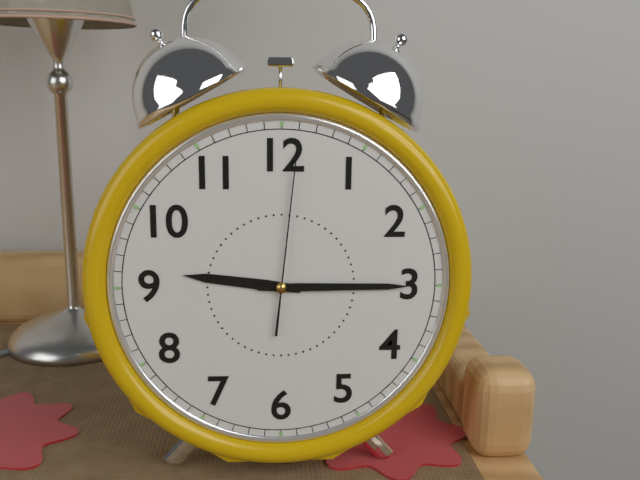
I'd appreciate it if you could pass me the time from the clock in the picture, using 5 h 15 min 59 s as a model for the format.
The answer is 9 h 15 min 01 s
